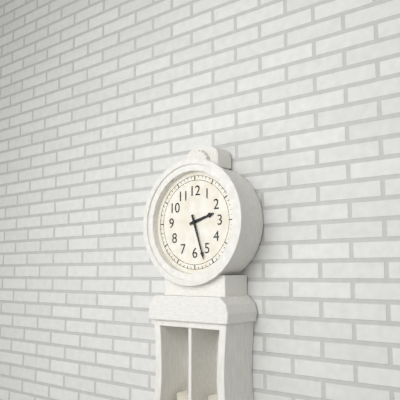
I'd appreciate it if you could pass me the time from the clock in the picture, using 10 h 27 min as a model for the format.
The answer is 2 h 27 min
